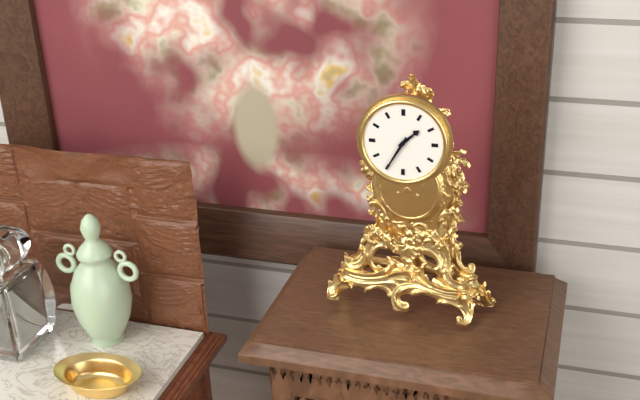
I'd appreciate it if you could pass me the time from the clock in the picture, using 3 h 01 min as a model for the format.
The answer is 1 h 35 min
